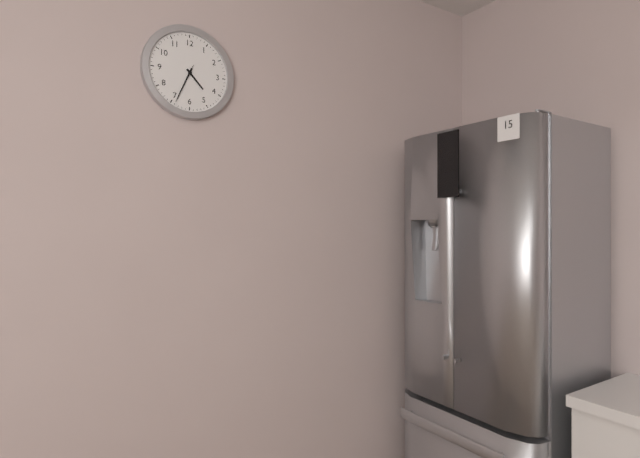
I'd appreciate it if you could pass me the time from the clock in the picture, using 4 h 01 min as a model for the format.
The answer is 4 h 34 min
